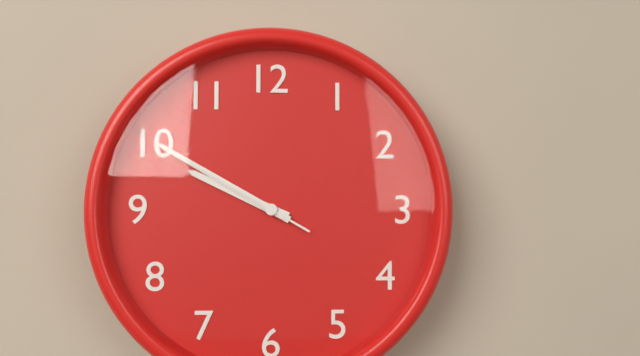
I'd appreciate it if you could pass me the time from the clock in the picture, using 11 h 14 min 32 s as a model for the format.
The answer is 9 h 50 min 50 s
